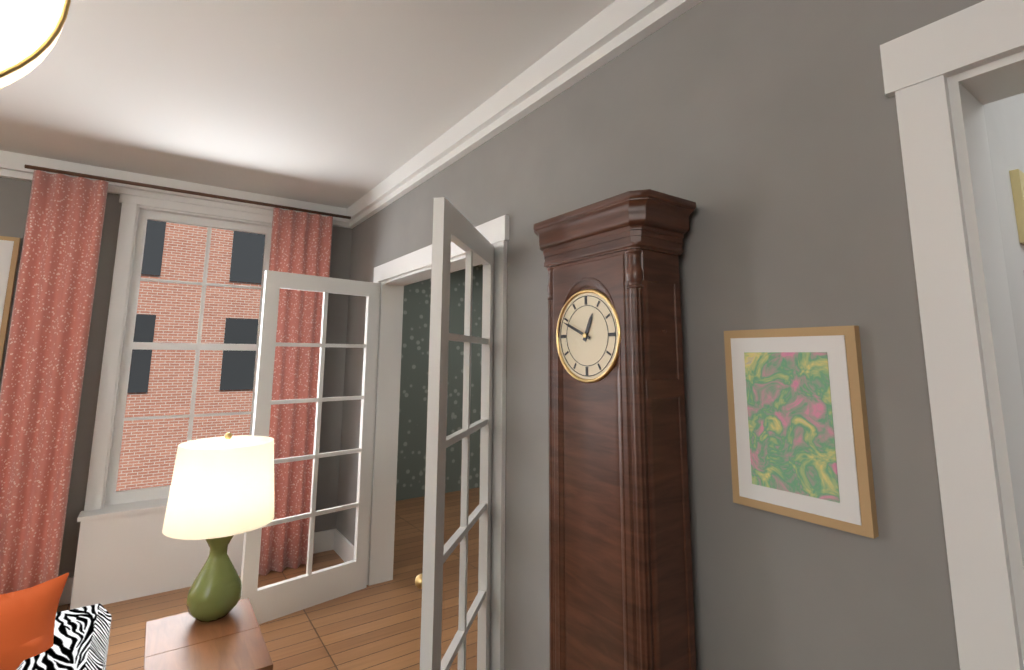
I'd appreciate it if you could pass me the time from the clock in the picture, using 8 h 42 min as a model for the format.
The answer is 12 h 49 min
